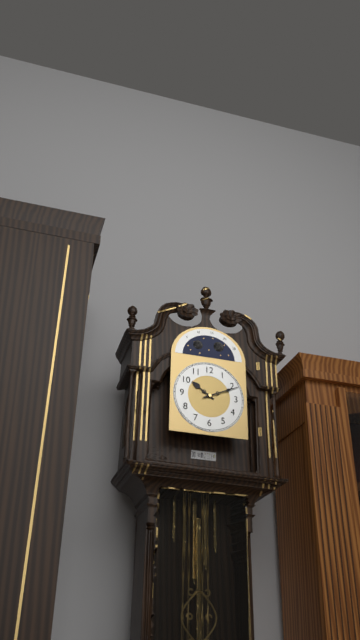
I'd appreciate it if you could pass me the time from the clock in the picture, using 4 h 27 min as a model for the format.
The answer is 10 h 11 min
